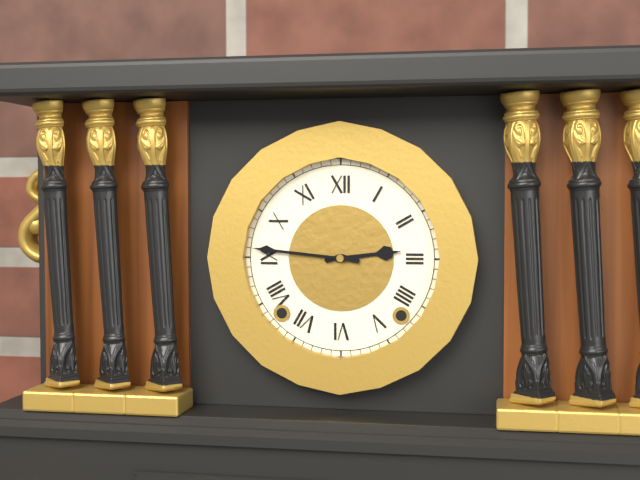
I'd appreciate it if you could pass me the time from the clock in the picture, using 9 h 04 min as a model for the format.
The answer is 2 h 46 min
